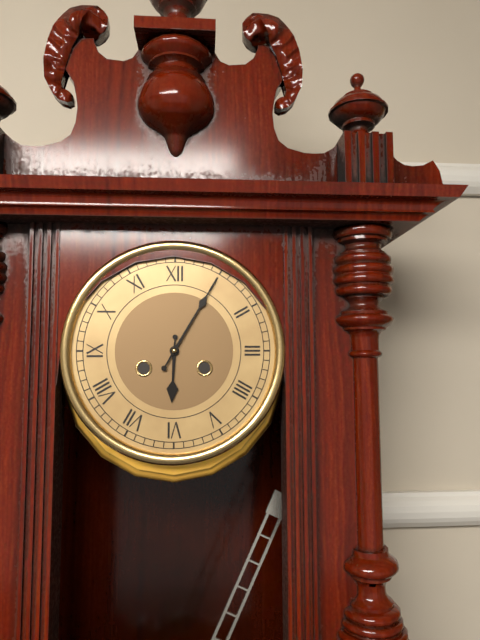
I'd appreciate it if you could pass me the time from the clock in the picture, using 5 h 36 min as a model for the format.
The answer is 6 h 05 min
